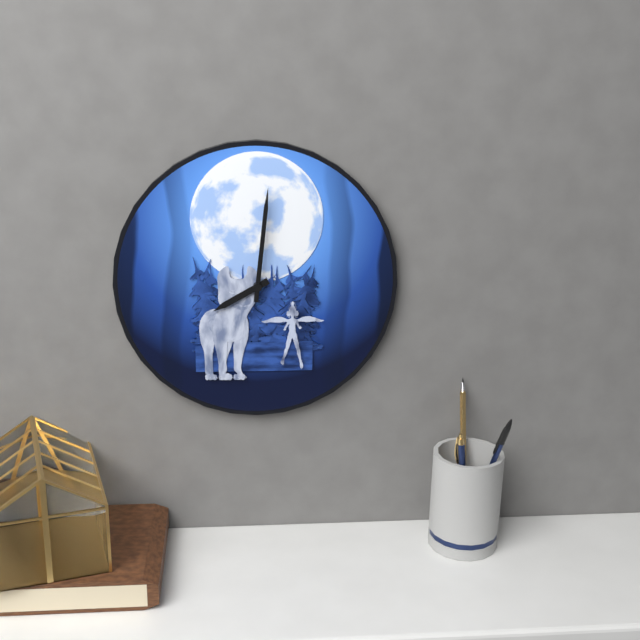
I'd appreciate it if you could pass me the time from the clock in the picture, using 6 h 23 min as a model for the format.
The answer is 8 h 01 min
